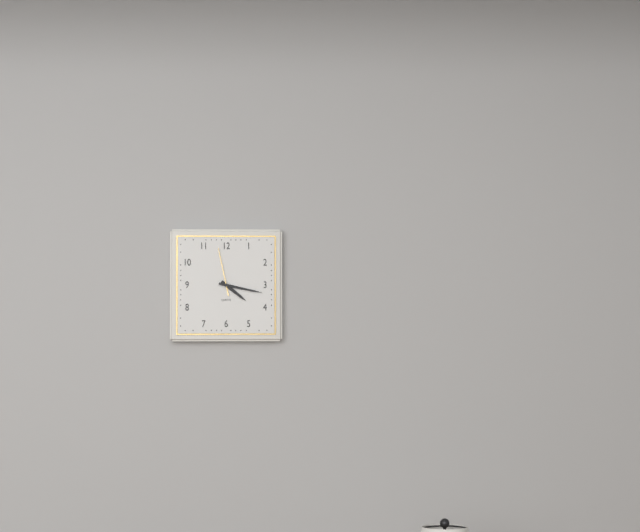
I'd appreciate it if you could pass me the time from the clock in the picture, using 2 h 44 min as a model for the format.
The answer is 4 h 17 min
